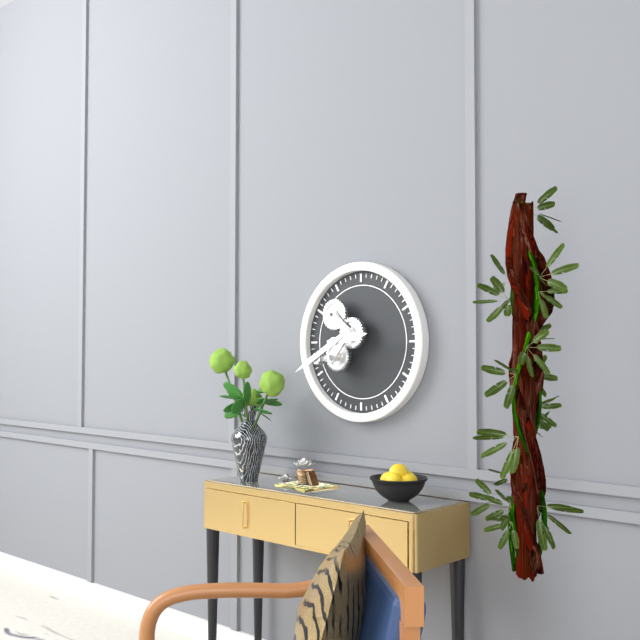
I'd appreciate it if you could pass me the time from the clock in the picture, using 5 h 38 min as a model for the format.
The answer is 2 h 40 min
